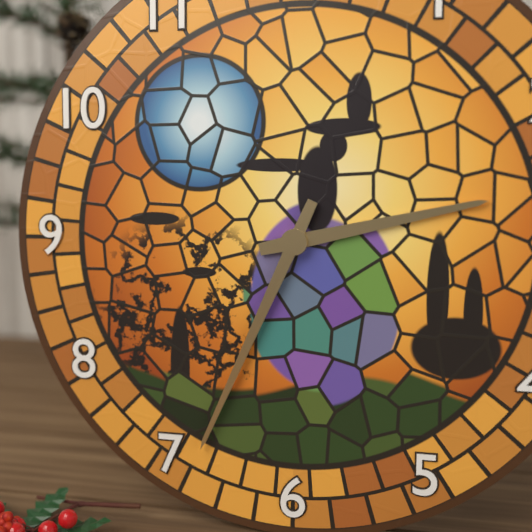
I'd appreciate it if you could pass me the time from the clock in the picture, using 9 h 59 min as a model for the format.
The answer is 2 h 34 min
